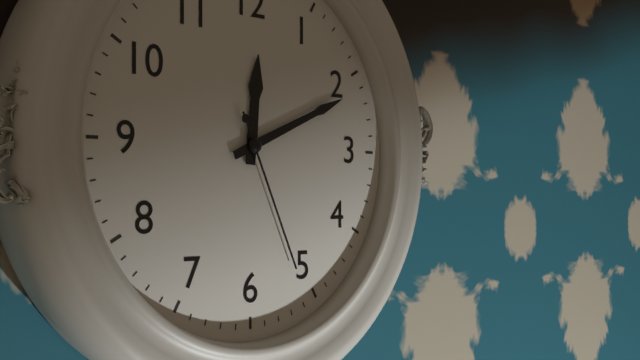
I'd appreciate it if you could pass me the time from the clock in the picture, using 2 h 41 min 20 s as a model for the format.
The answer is 12 h 11 min 26 s
